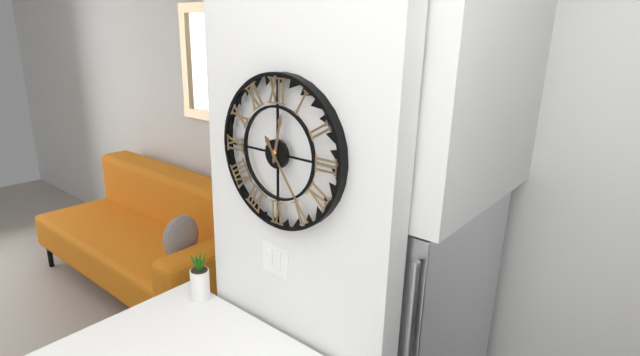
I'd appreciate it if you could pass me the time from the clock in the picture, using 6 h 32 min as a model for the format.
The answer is 12 h 24 min
